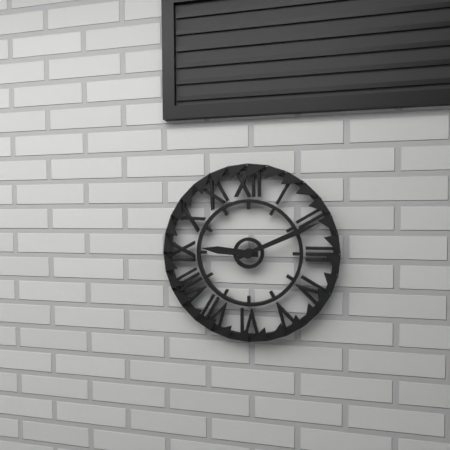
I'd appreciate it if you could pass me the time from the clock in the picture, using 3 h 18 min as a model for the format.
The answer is 9 h 11 min
